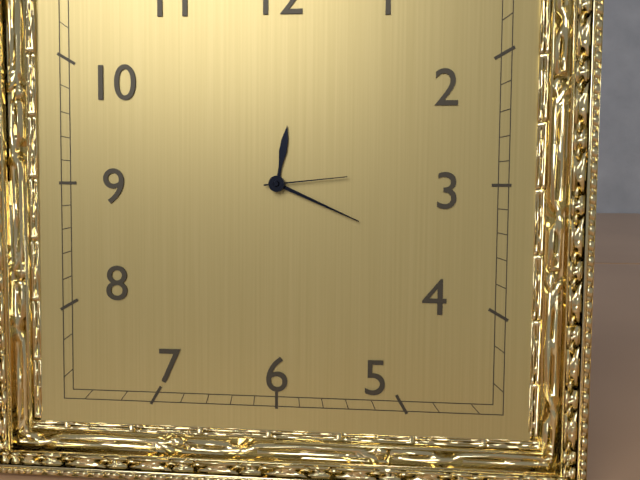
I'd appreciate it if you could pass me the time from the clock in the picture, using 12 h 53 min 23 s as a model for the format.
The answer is 12 h 19 min 14 s
